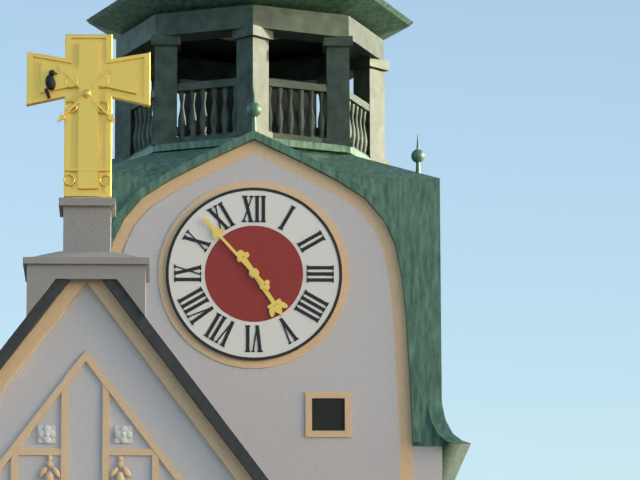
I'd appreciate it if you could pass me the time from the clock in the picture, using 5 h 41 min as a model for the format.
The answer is 4 h 53 min
